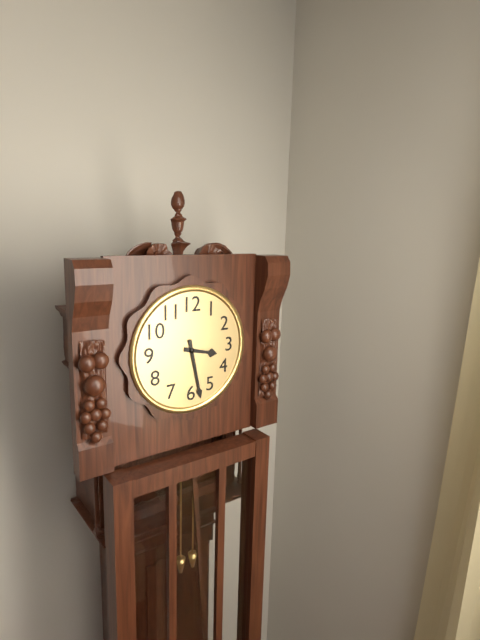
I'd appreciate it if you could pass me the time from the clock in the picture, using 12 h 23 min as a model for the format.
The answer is 3 h 28 min
